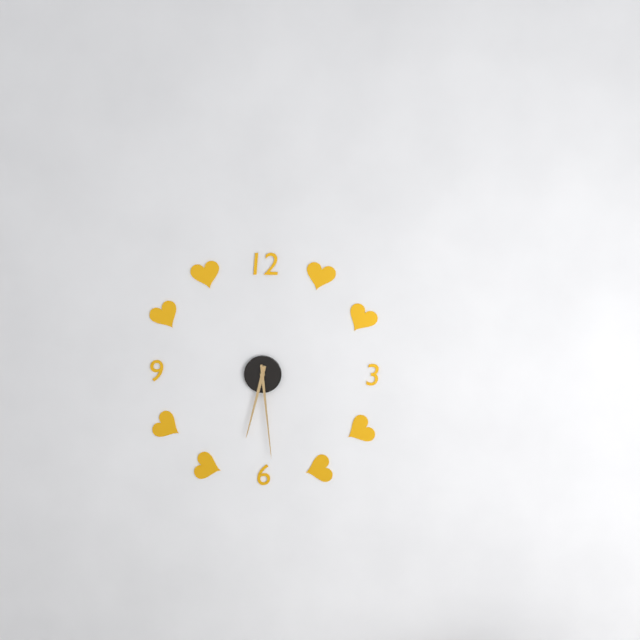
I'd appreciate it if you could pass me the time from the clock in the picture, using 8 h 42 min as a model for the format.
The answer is 6 h 29 min
